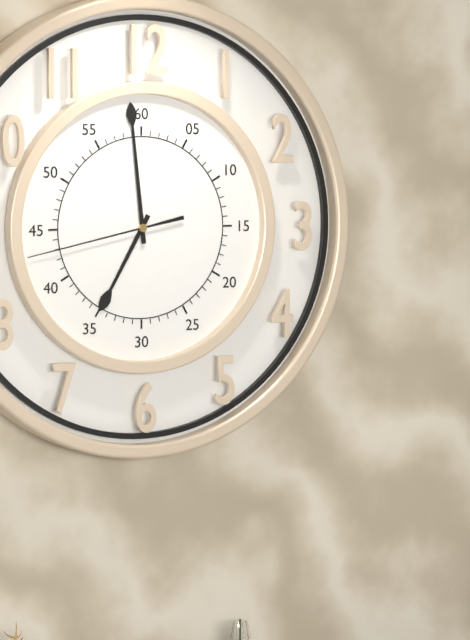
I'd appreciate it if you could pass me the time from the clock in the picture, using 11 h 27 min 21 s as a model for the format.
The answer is 6 h 59 min 43 s
